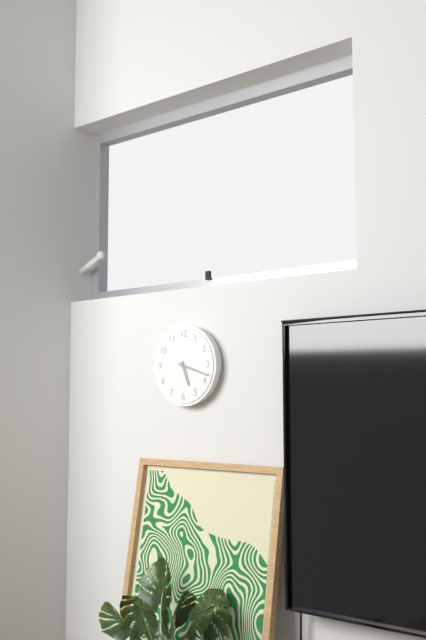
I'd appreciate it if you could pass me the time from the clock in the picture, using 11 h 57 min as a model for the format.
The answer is 5 h 18 min
